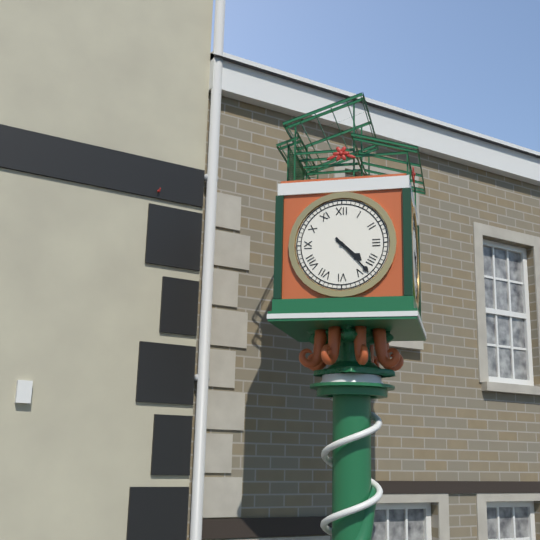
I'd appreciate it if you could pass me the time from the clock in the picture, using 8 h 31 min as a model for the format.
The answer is 4 h 23 min
